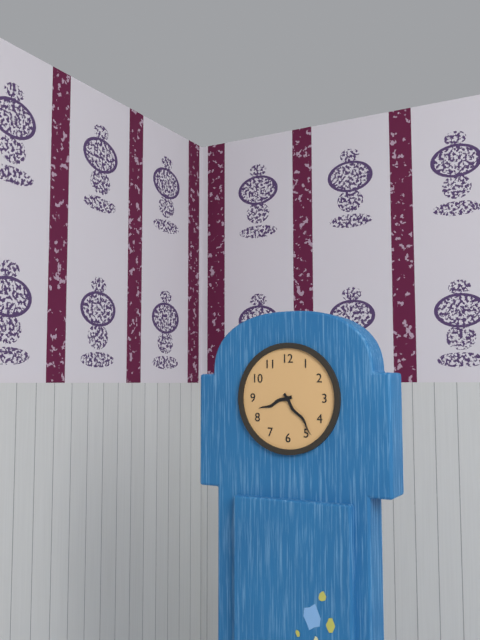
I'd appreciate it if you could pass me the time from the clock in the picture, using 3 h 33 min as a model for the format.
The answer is 8 h 24 min
